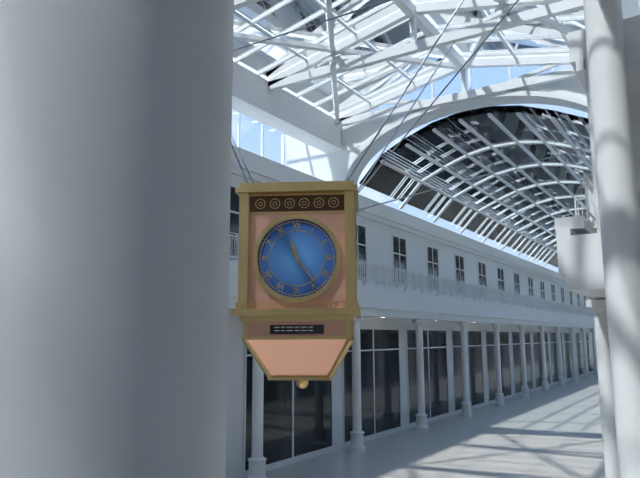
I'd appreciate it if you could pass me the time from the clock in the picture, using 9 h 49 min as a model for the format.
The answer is 11 h 24 min
